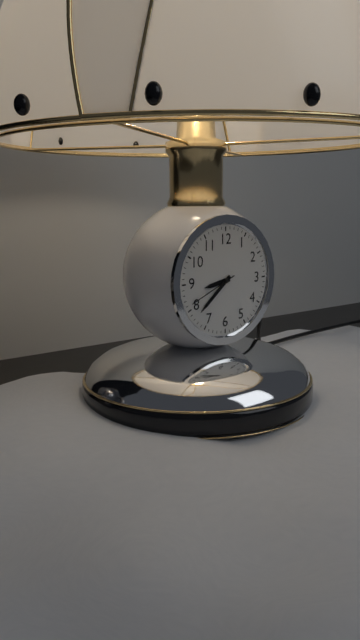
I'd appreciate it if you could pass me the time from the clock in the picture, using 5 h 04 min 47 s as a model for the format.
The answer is 8 h 38 min 41 s
